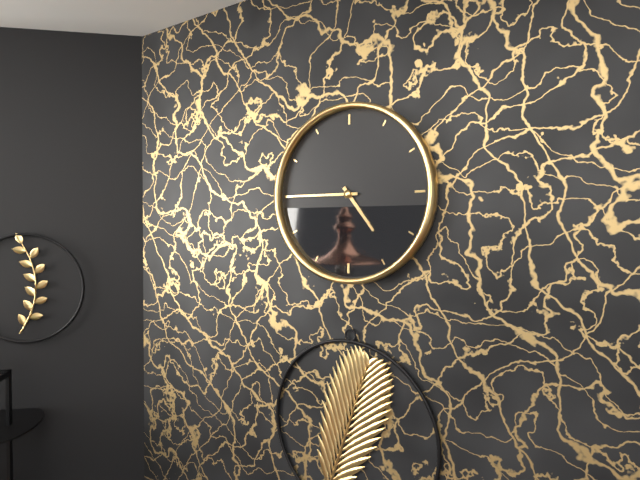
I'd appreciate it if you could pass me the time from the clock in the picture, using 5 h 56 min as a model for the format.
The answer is 4 h 45 min
